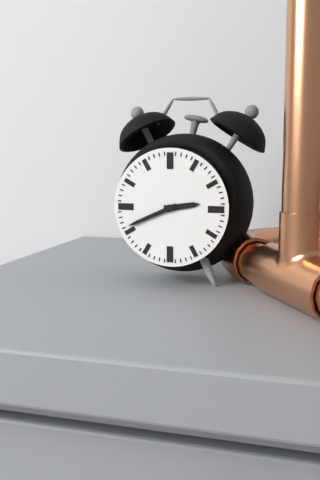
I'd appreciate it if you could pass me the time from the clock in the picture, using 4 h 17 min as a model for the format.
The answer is 2 h 41 min
